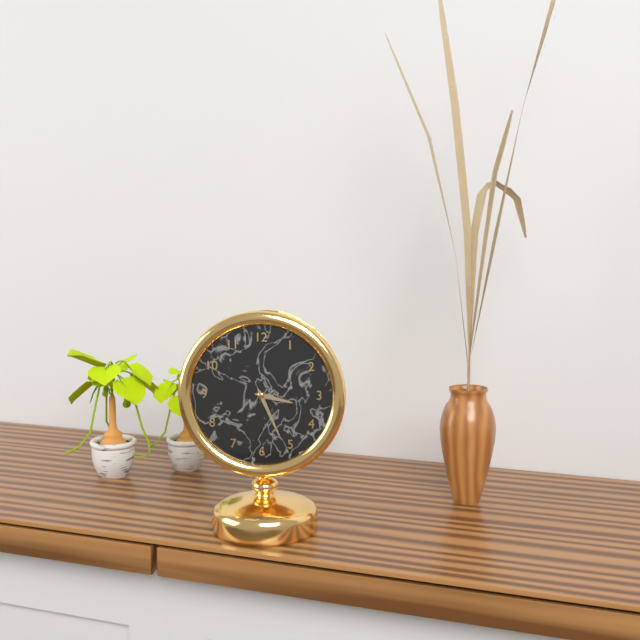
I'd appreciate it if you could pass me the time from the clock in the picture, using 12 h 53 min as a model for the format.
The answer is 3 h 26 min
